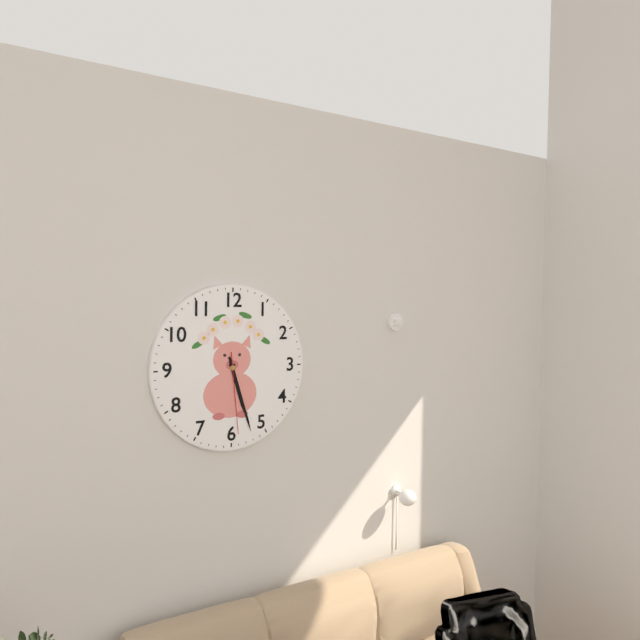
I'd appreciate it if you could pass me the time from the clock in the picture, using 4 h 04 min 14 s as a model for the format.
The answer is 5 h 27 min 29 s
